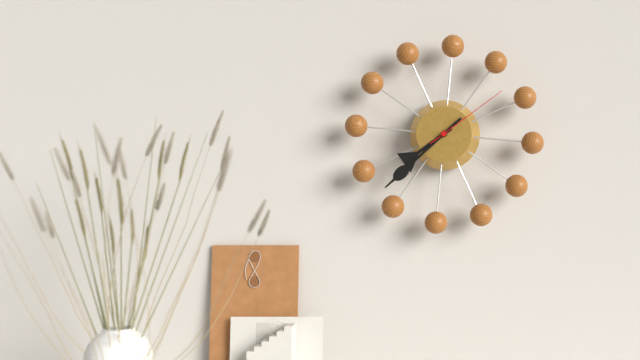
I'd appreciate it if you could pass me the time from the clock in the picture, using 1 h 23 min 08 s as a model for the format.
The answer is 7 h 37 min 08 s
